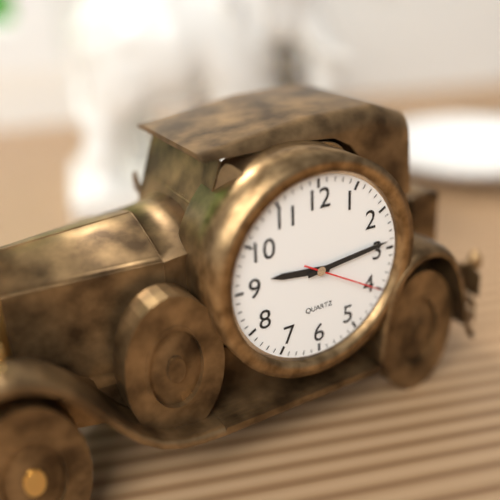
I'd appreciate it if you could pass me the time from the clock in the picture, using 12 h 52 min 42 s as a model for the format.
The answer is 9 h 14 min 20 s
